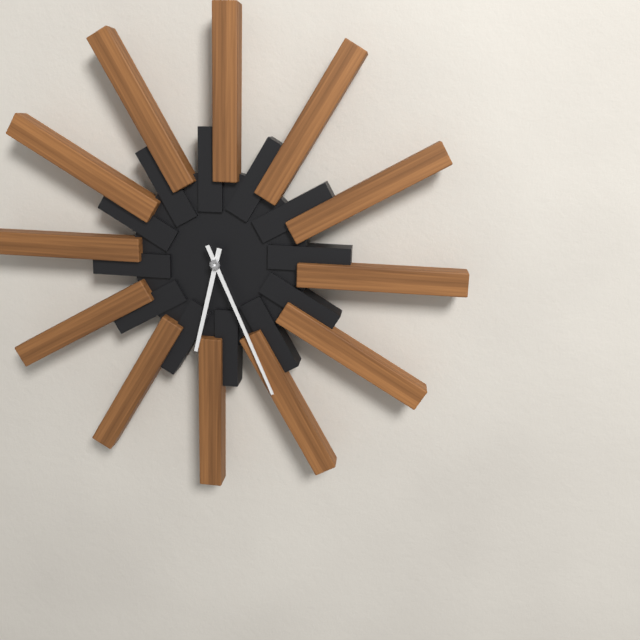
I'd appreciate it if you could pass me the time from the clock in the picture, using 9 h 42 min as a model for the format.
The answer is 6 h 26 min
